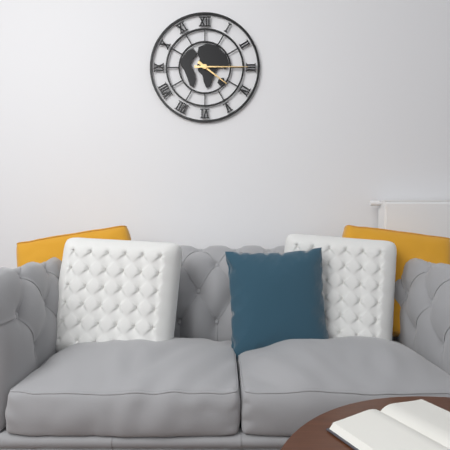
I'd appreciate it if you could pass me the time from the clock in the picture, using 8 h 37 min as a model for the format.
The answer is 4 h 15 min
